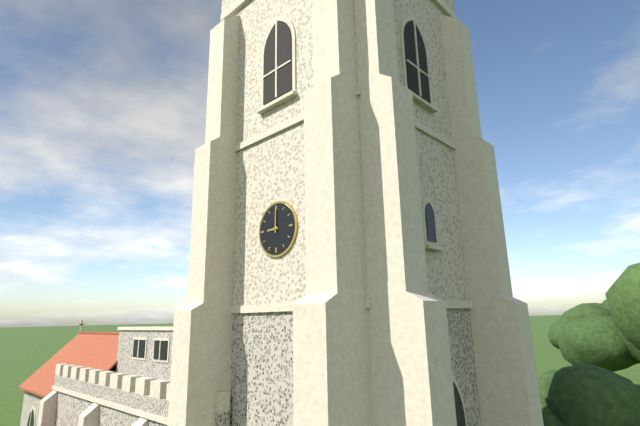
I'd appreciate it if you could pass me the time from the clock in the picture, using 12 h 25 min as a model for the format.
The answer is 9 h 00 min
